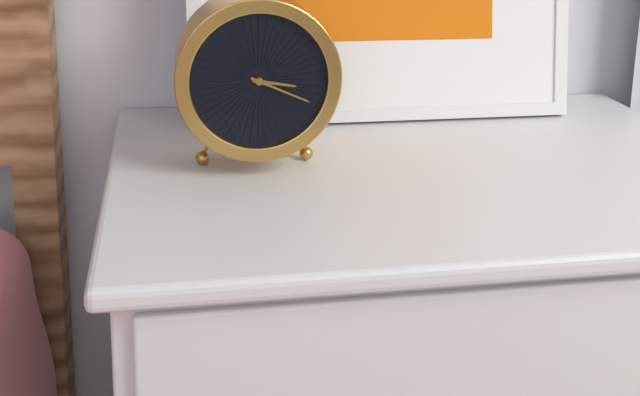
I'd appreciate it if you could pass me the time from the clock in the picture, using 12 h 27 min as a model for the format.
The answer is 3 h 19 min
